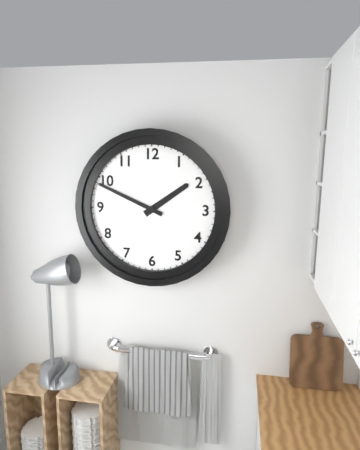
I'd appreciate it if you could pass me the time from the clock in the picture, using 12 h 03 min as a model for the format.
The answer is 1 h 49 min
